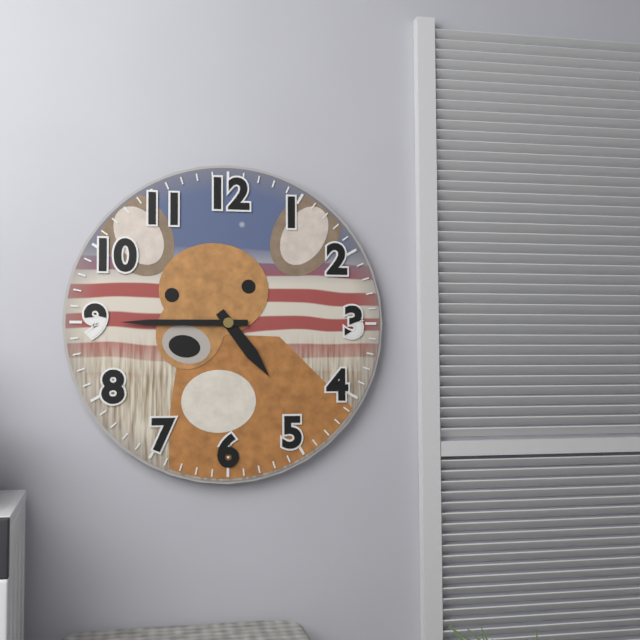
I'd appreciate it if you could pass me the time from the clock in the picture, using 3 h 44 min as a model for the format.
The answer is 4 h 45 min
